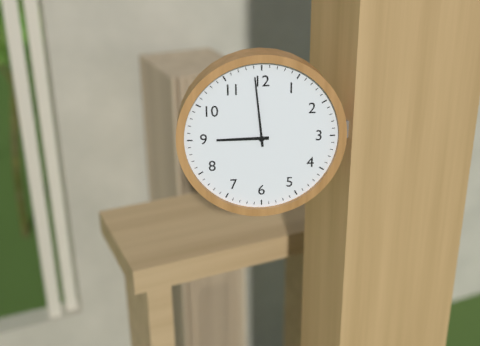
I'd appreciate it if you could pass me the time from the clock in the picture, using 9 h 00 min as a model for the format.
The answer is 8 h 59 min
